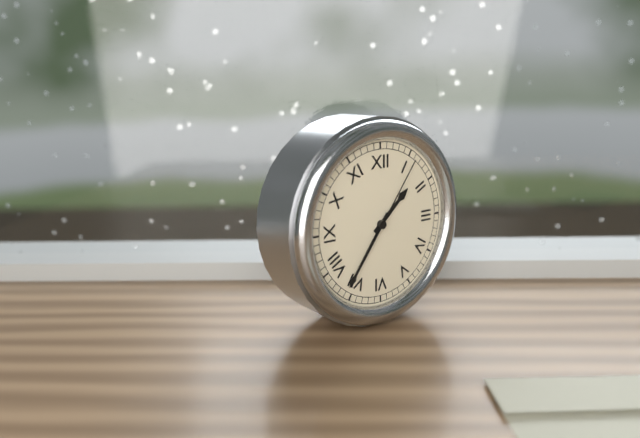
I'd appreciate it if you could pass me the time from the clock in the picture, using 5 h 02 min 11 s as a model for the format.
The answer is 1 h 36 min 06 s
